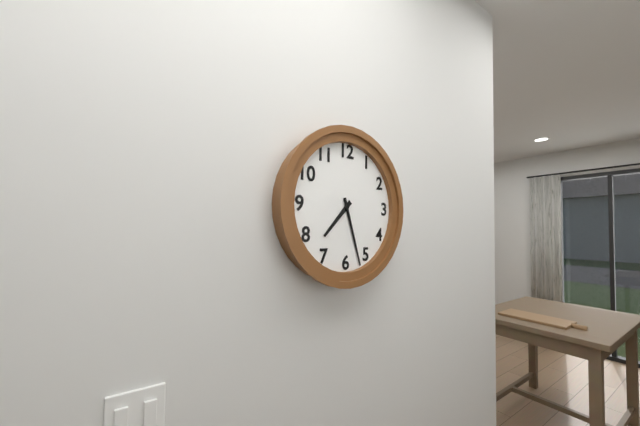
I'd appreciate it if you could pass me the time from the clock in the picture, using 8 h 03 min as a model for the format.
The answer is 7 h 27 min
